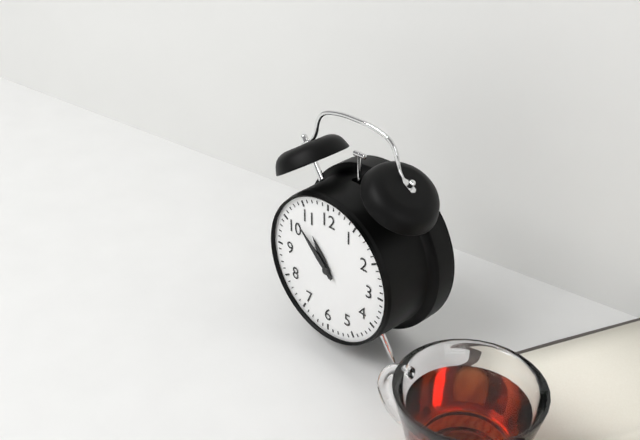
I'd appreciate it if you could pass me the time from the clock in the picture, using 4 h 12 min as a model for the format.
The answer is 10 h 52 min
